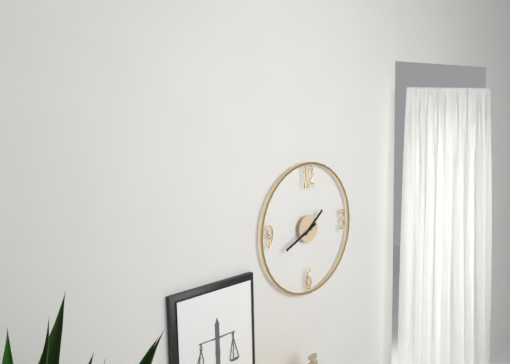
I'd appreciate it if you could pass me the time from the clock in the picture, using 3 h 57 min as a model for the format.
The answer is 1 h 41 min
